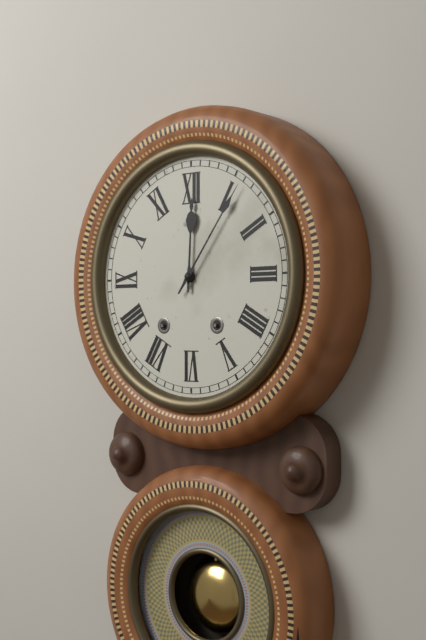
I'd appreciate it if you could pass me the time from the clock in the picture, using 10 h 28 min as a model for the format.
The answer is 12 h 06 min
